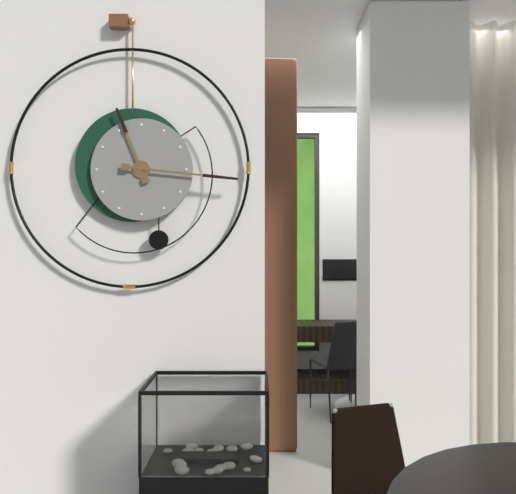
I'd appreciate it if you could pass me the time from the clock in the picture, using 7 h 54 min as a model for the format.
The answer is 11 h 16 min
